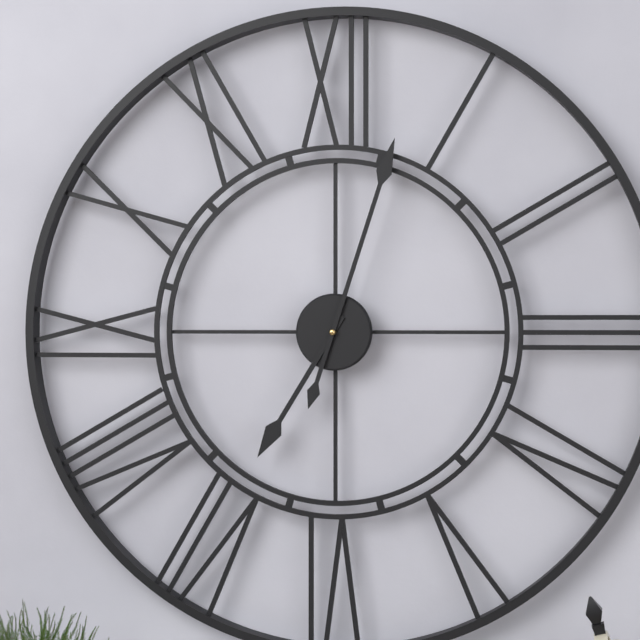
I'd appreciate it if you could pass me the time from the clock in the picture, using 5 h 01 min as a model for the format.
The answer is 7 h 03 min
